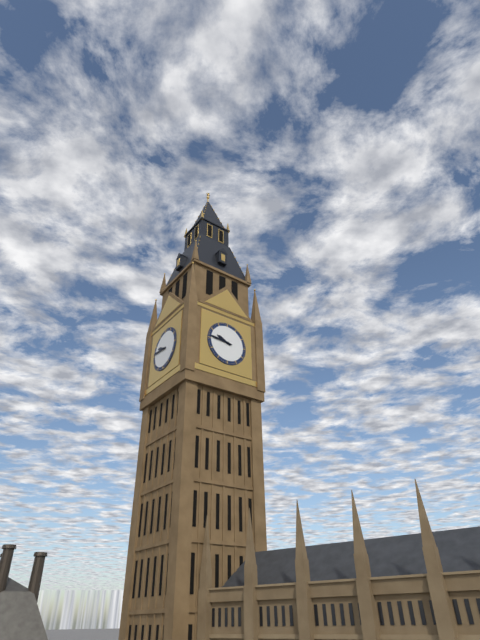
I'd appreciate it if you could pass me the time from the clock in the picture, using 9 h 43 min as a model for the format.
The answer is 9 h 46 min
